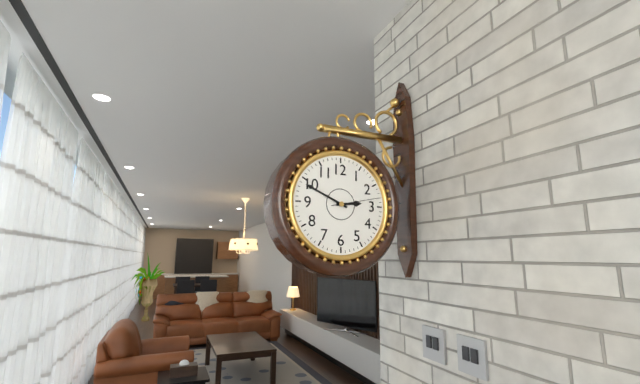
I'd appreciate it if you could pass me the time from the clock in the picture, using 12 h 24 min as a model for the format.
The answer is 2 h 49 min
